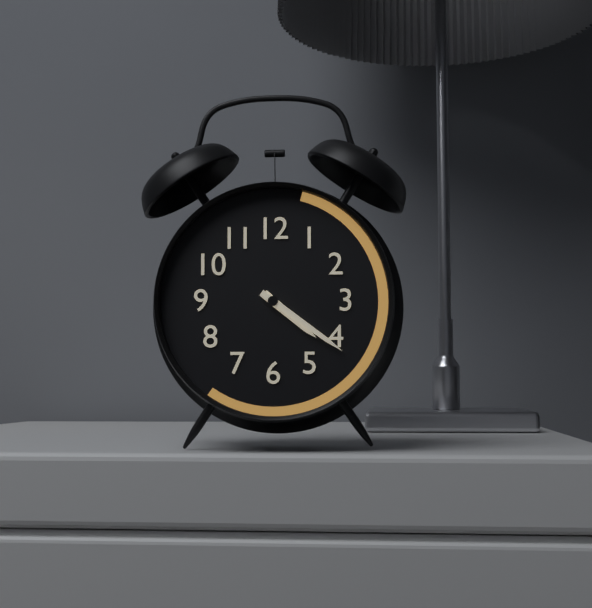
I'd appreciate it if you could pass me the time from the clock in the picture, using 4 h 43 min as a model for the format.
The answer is 4 h 21 min
